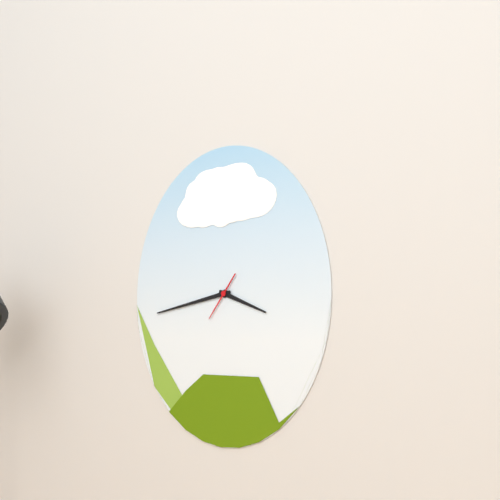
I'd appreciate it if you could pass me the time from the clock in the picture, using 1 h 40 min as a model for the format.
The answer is 3 h 43 min
